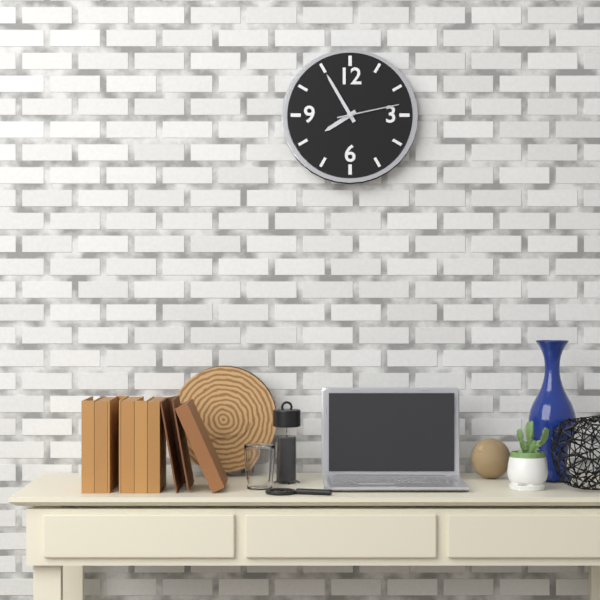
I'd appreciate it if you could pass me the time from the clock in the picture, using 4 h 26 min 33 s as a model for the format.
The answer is 7 h 55 min 13 s
